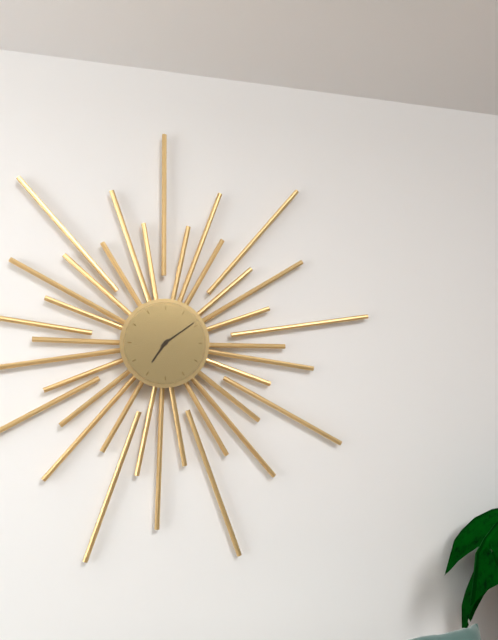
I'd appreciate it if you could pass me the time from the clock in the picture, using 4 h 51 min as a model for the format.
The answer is 7 h 09 min
